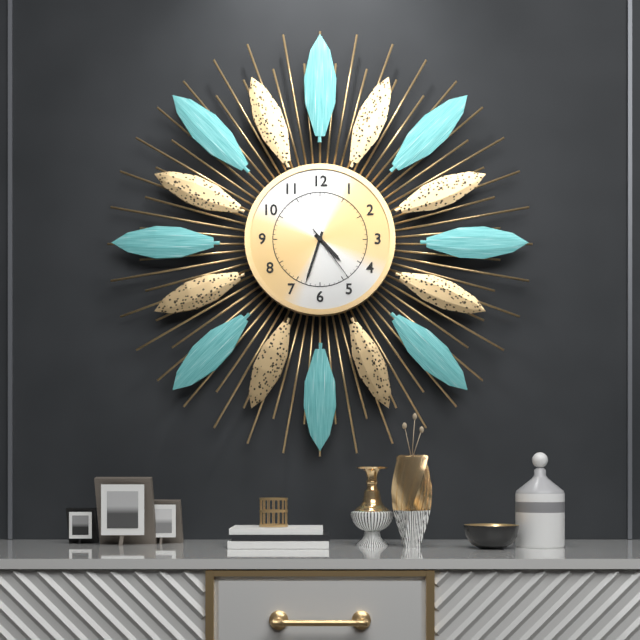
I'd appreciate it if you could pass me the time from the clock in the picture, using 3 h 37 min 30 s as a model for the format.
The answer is 4 h 33 min 24 s
